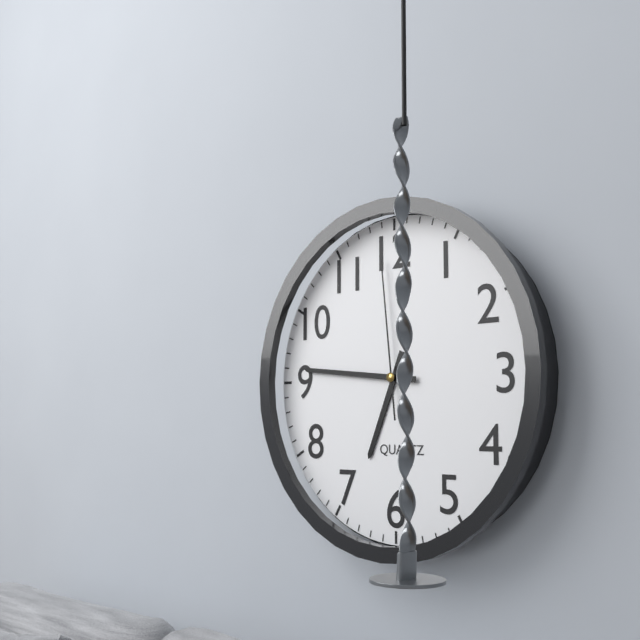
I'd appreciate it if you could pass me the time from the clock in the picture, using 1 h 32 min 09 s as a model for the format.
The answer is 6 h 46 min 59 s
